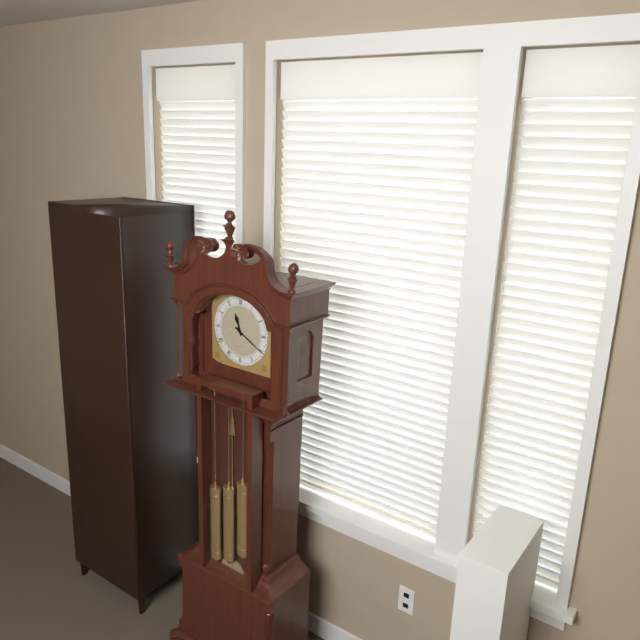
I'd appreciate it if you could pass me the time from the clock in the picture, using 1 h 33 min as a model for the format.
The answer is 11 h 20 min
